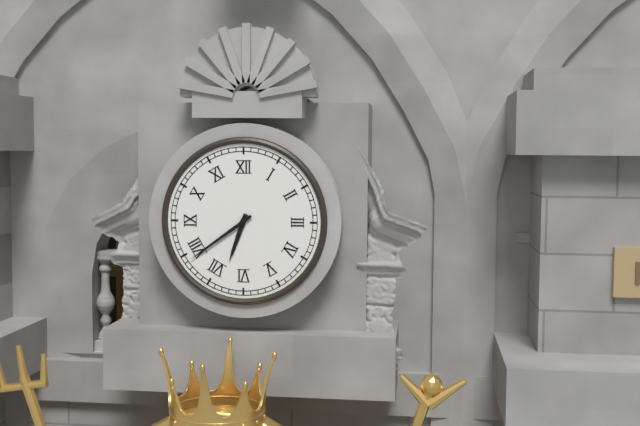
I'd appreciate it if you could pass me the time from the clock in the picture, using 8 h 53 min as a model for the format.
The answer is 6 h 39 min
